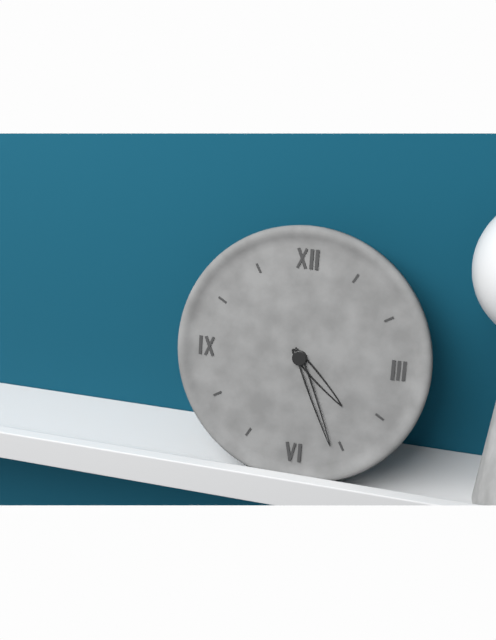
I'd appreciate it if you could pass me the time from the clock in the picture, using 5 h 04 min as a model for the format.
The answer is 4 h 26 min
